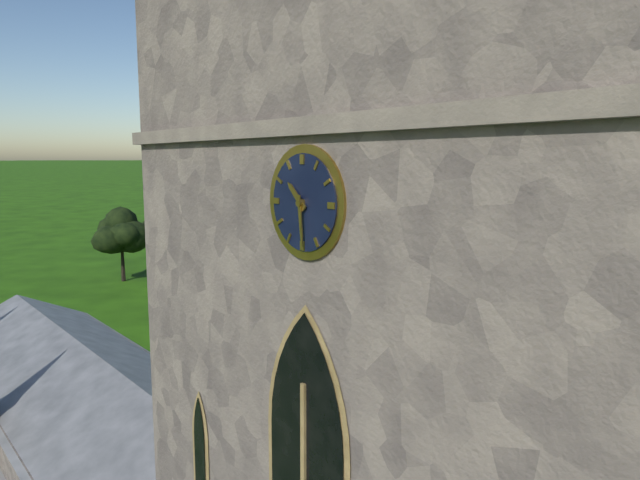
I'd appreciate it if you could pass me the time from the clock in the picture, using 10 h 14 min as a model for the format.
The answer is 10 h 29 min
